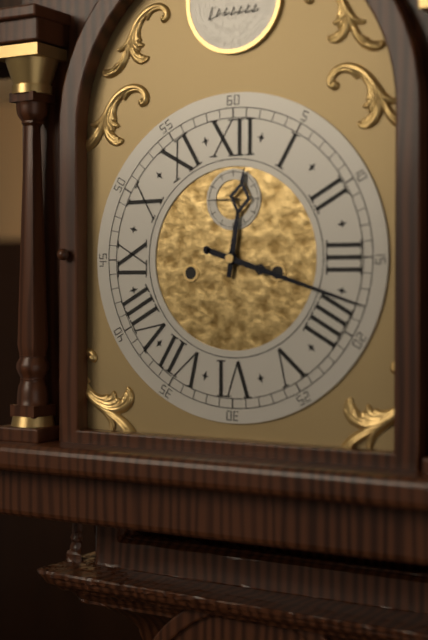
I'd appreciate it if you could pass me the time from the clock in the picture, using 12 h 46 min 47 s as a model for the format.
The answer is 12 h 18 min 45 s
